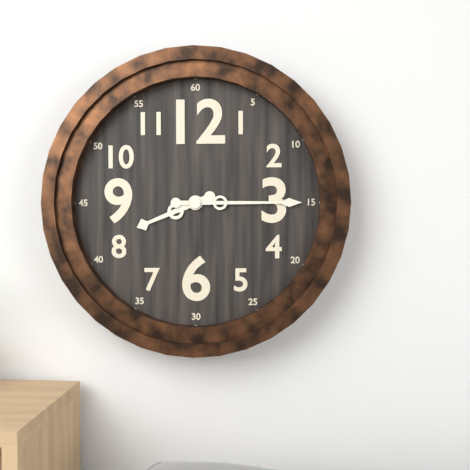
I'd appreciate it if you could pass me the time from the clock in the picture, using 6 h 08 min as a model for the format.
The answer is 8 h 15 min
